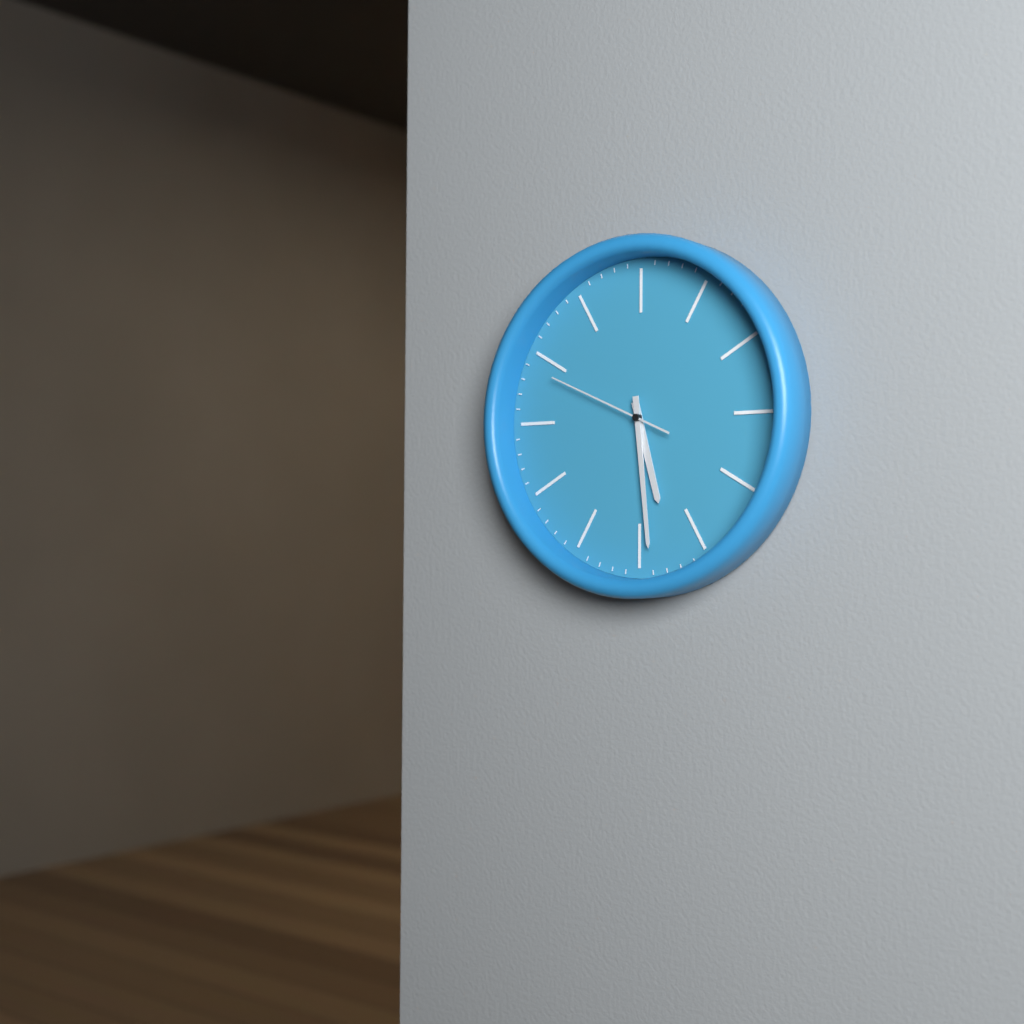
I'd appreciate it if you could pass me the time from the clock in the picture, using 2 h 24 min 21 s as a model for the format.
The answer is 5 h 29 min 49 s
